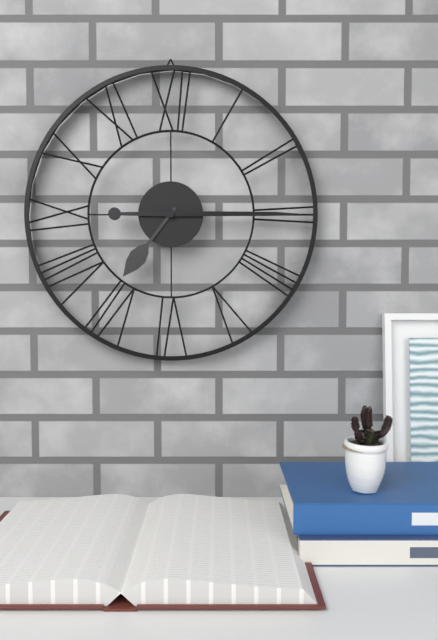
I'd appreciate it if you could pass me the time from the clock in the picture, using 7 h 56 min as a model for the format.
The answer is 7 h 15 min
